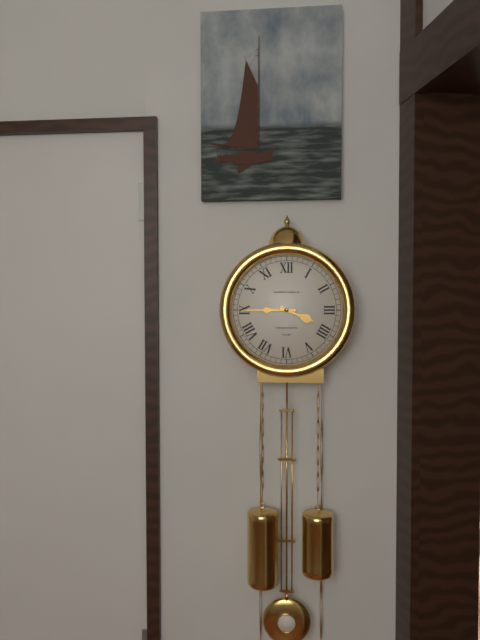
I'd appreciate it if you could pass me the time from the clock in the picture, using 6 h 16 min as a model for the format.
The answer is 3 h 45 min
